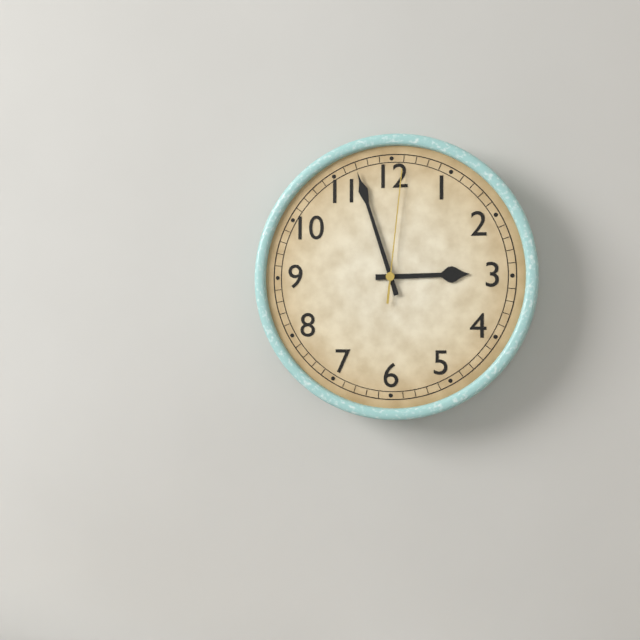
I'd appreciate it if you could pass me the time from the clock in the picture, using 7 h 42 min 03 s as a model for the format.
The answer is 2 h 57 min 01 s
